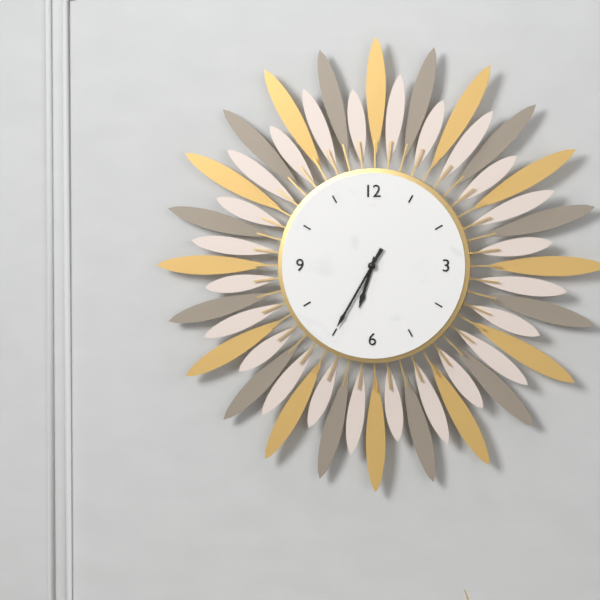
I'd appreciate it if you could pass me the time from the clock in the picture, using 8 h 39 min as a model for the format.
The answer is 6 h 35 min
